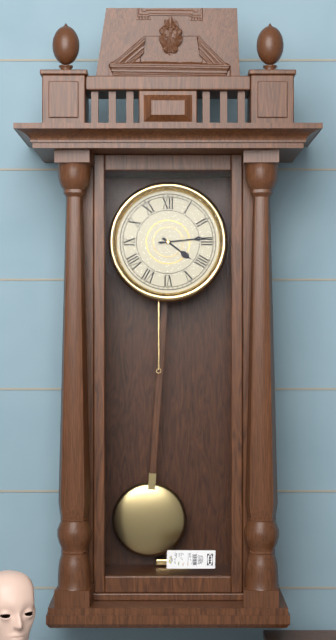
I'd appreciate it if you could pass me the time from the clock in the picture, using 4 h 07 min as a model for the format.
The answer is 4 h 14 min
